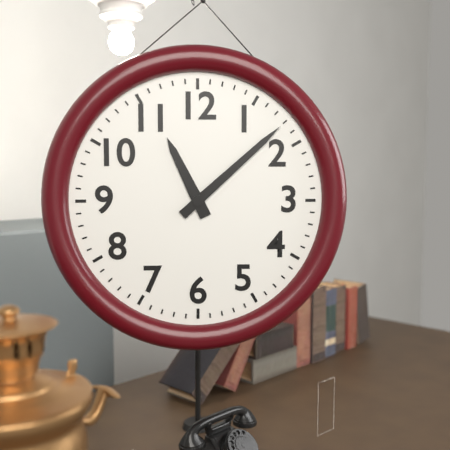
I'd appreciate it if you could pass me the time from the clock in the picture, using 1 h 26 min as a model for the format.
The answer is 11 h 08 min
